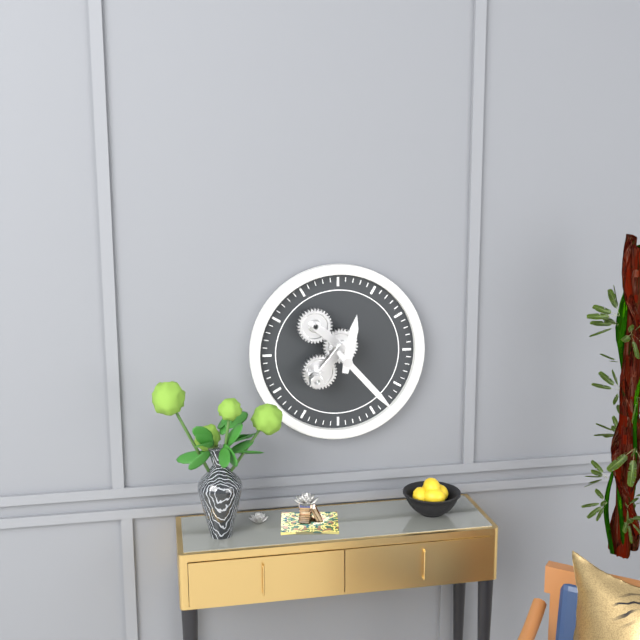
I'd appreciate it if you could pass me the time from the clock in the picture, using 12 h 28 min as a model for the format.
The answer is 12 h 23 min
